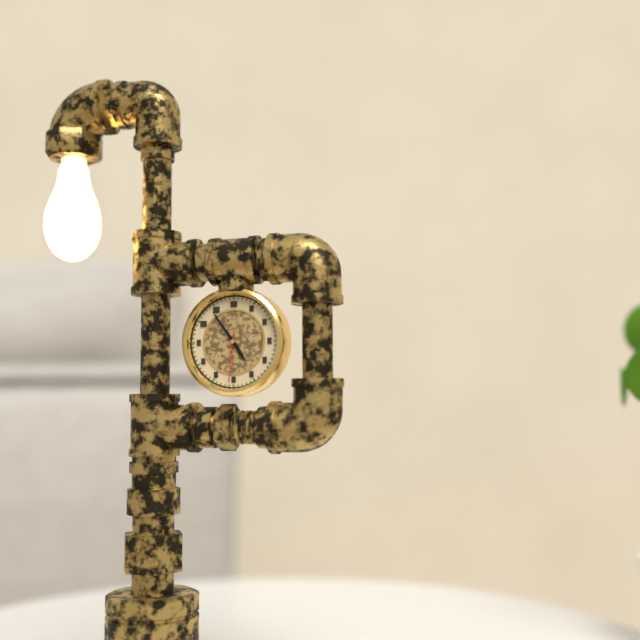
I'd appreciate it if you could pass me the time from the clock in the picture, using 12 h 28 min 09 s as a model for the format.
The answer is 4 h 54 min 31 s
